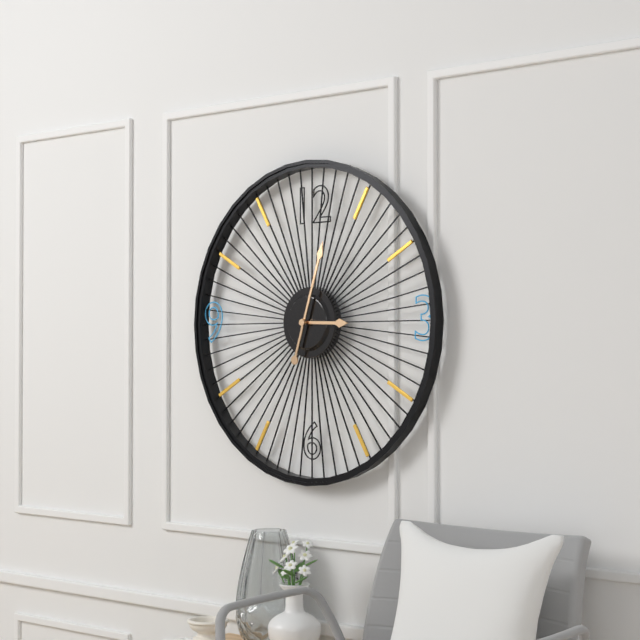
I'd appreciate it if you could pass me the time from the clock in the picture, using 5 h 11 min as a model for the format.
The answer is 3 h 03 min
